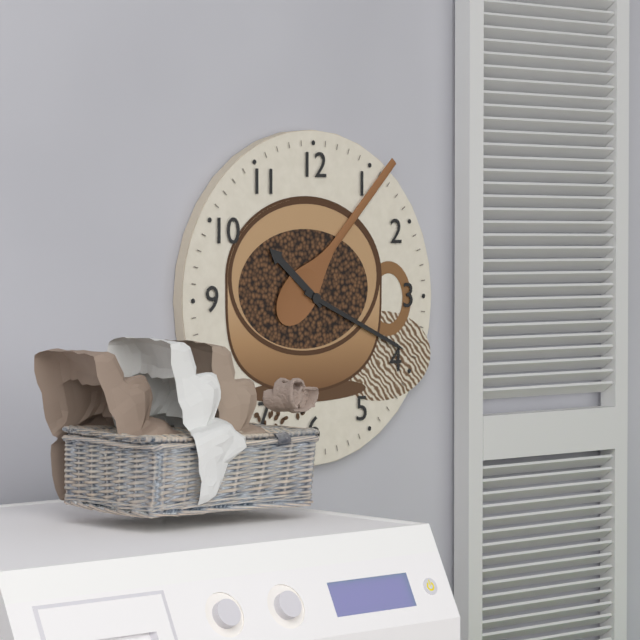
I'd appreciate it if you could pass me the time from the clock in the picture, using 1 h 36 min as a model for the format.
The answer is 10 h 19 min
